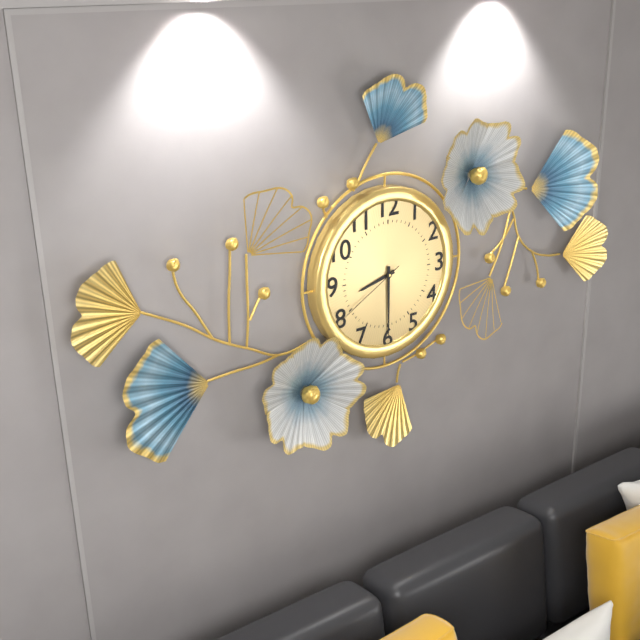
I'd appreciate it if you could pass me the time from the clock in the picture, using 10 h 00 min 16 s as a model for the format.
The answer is 8 h 30 min 40 s
